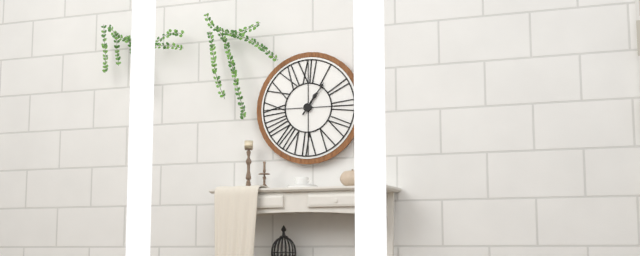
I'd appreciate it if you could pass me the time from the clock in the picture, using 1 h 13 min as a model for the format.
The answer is 1 h 06 min
